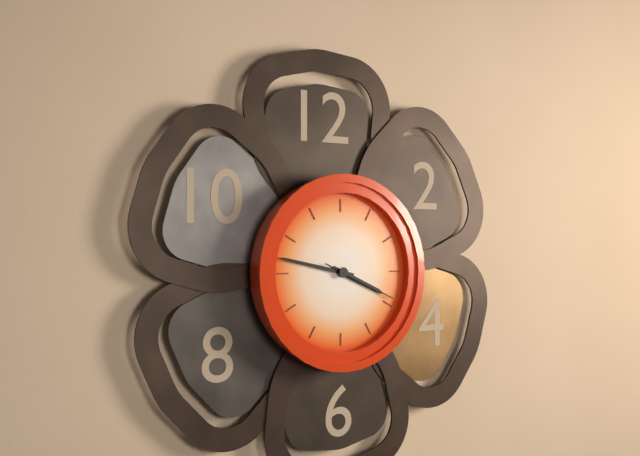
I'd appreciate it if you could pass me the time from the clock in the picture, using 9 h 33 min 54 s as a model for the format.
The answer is 3 h 47 min 19 s
